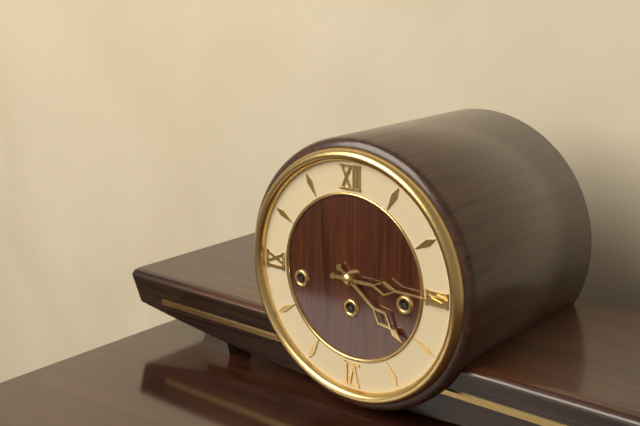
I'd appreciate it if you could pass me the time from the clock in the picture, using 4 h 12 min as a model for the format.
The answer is 4 h 15 min
